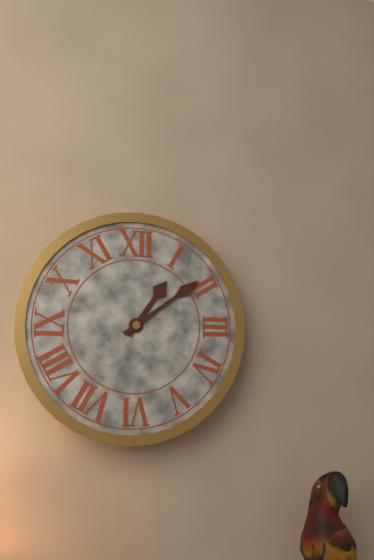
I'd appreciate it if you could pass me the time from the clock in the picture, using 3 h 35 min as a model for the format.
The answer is 1 h 09 min
